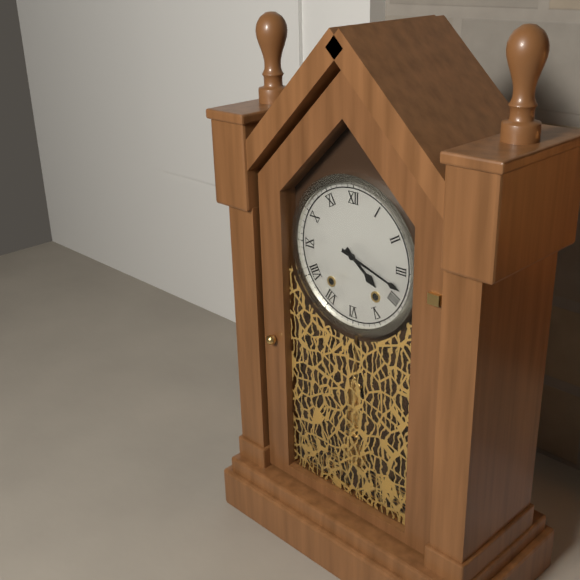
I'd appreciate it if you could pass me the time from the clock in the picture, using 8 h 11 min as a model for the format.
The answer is 4 h 18 min
